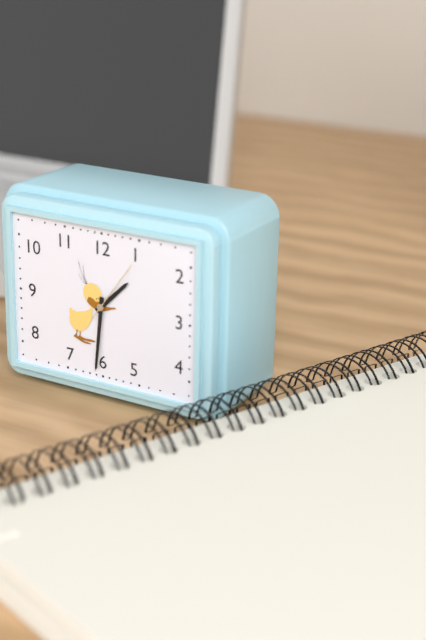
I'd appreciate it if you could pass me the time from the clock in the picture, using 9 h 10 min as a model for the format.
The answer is 1 h 31 min
